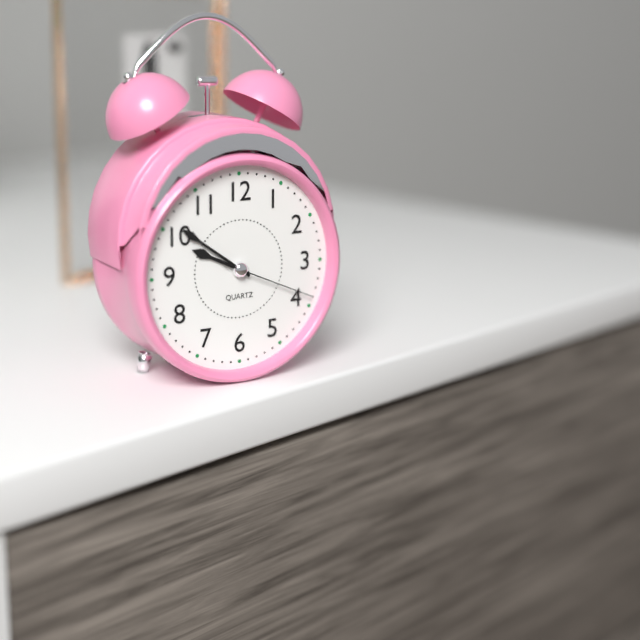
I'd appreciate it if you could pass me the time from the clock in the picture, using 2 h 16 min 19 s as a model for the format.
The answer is 9 h 51 min 19 s
